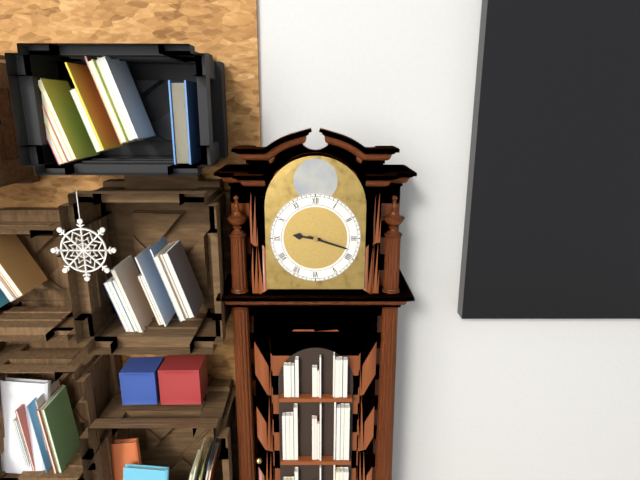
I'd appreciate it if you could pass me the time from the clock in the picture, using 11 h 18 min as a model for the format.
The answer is 9 h 18 min
